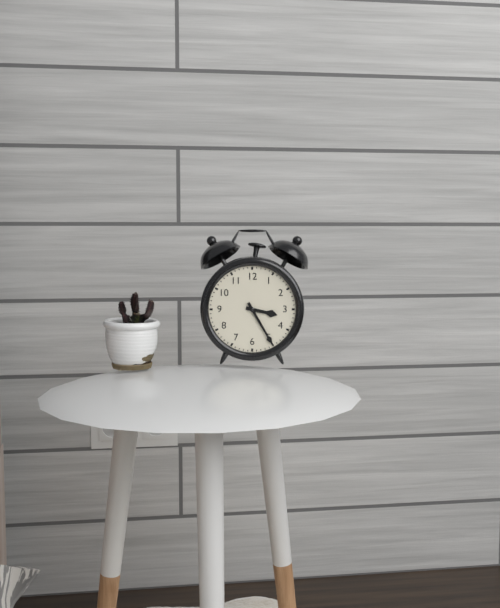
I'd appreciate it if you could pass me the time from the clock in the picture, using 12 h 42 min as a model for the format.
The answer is 3 h 25 min
